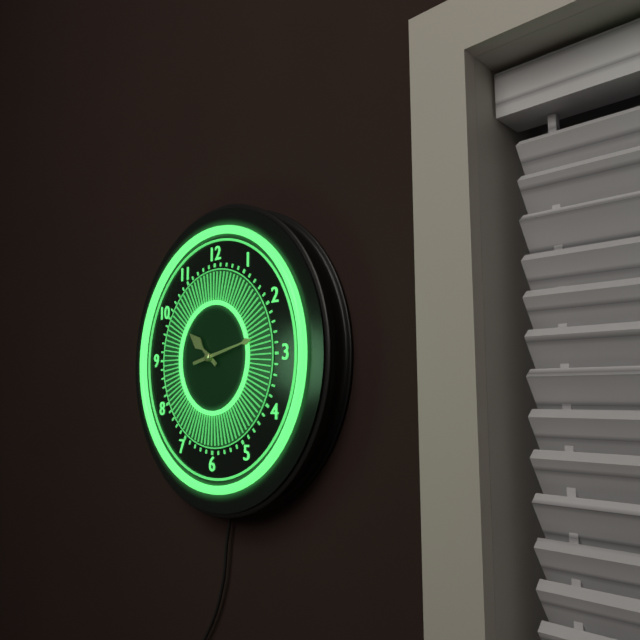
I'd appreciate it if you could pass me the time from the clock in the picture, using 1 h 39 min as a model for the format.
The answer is 10 h 13 min
